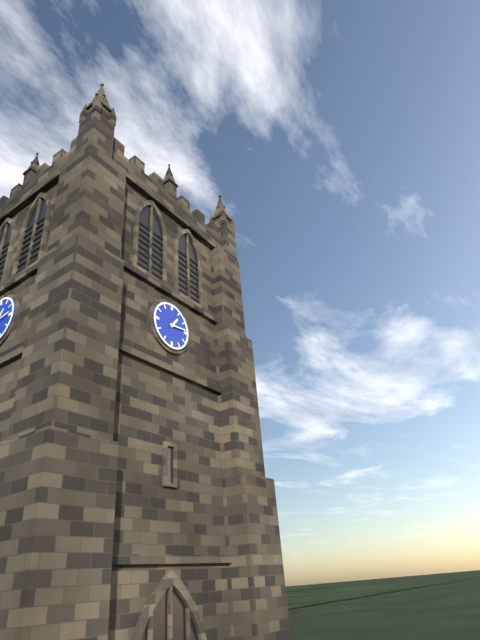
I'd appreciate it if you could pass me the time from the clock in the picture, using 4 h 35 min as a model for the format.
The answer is 1 h 14 min
